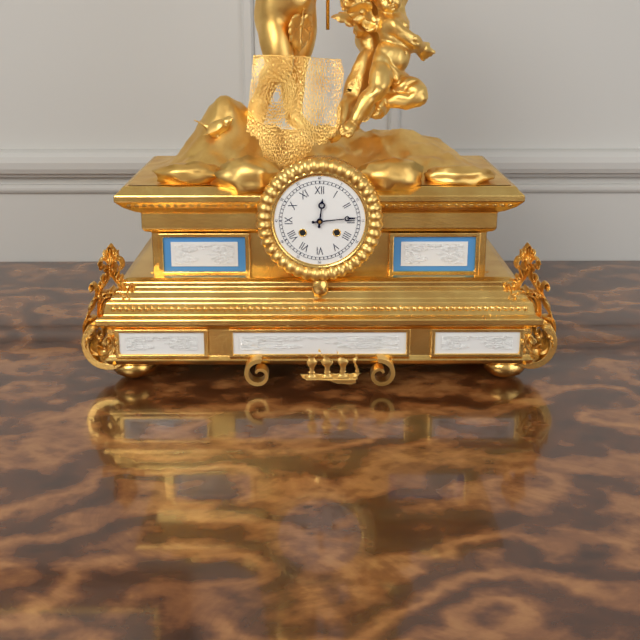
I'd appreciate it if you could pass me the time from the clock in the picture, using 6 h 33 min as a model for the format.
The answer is 12 h 14 min
